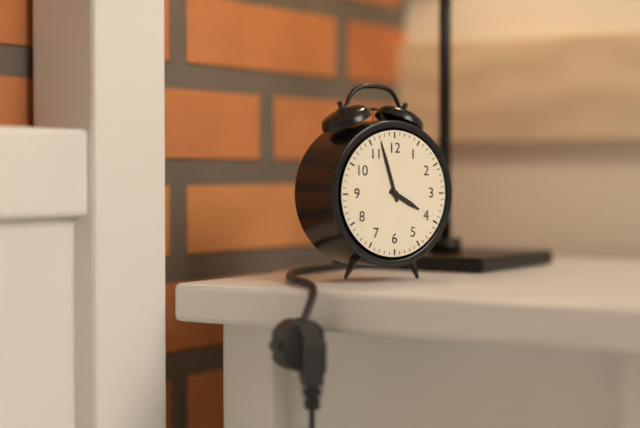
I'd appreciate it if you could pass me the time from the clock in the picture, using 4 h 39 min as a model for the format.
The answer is 3 h 57 min
